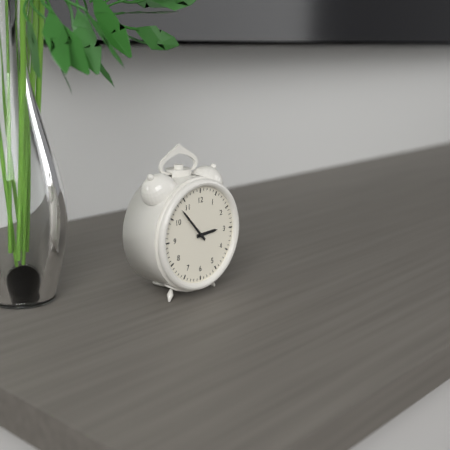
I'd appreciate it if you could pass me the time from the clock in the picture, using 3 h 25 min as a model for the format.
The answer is 2 h 53 min
